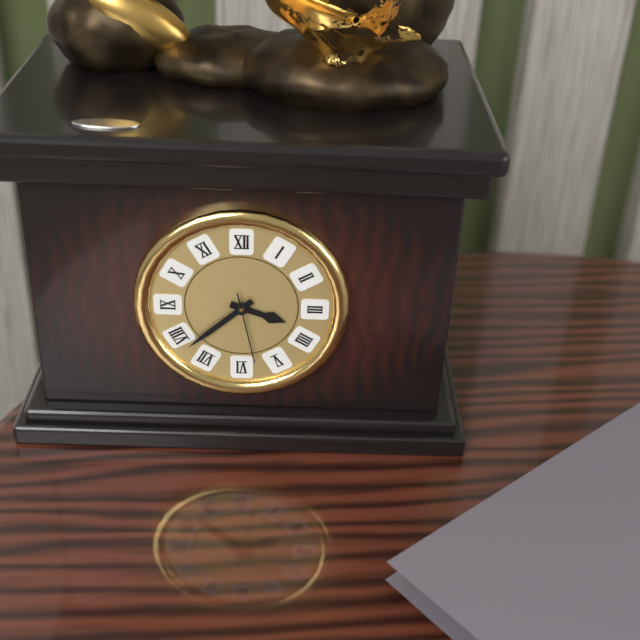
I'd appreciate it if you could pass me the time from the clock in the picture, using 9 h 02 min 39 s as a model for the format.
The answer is 3 h 38 min 28 s
